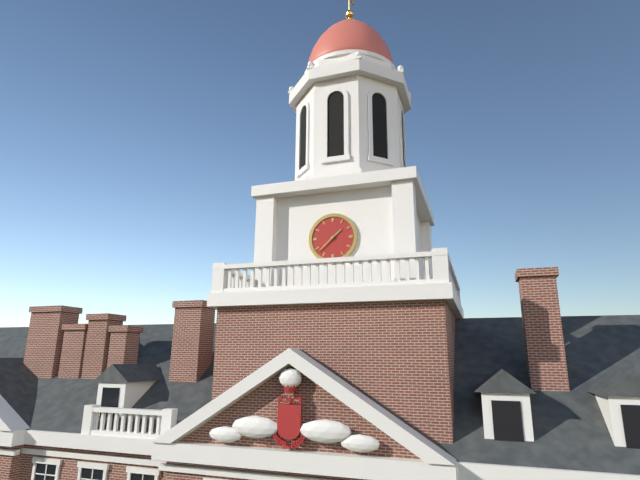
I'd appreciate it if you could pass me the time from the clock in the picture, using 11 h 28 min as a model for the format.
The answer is 1 h 38 min
